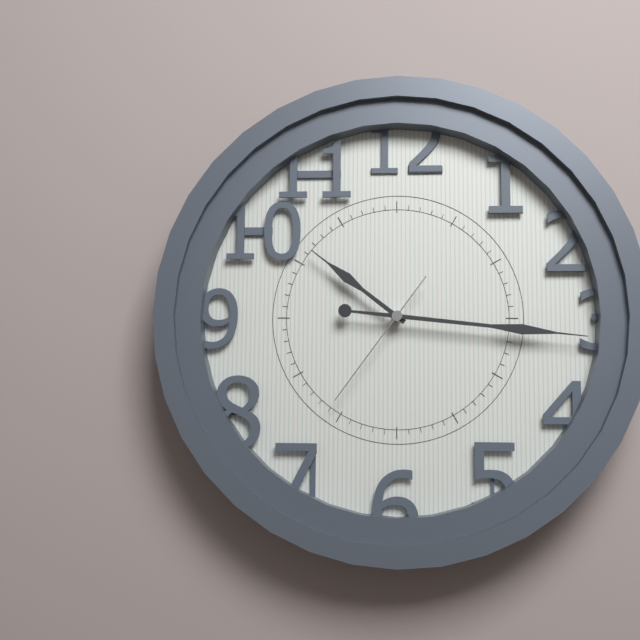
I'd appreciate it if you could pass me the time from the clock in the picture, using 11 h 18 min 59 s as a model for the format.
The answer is 10 h 16 min 36 s
